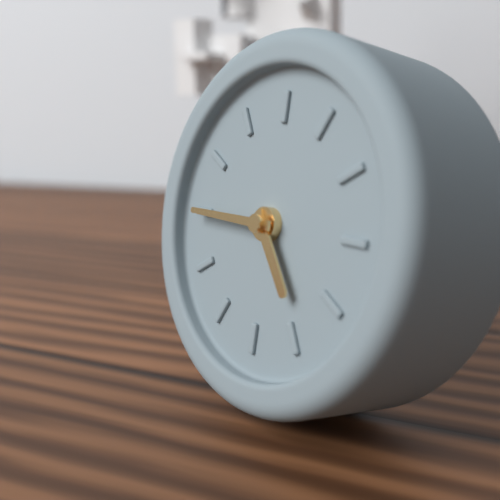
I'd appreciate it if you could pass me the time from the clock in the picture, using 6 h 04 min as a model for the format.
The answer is 4 h 45 min
